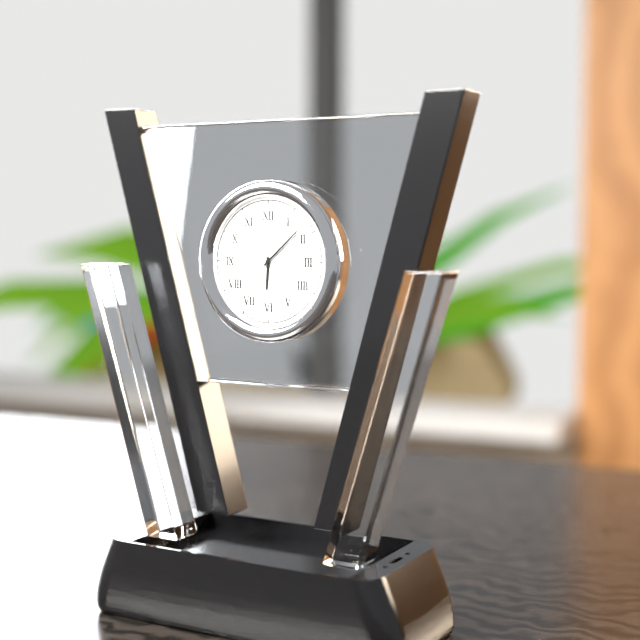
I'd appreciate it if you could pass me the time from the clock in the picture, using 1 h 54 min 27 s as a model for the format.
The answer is 6 h 08 min 58 s
